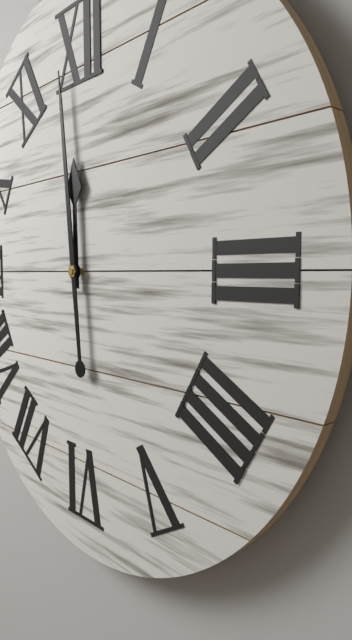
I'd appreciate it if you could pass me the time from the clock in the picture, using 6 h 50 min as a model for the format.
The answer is 11 h 59 min
